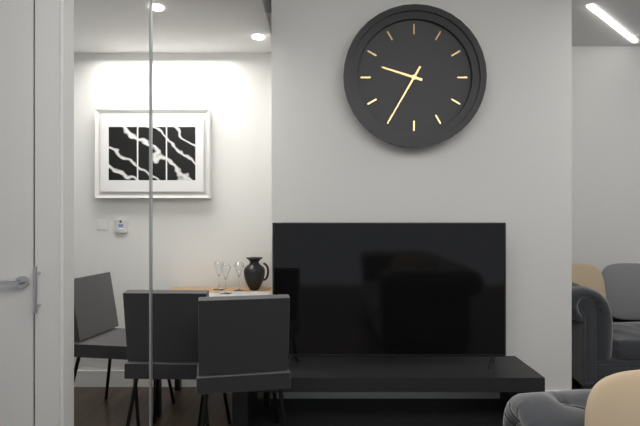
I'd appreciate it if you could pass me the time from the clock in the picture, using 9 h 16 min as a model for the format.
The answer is 9 h 35 min
